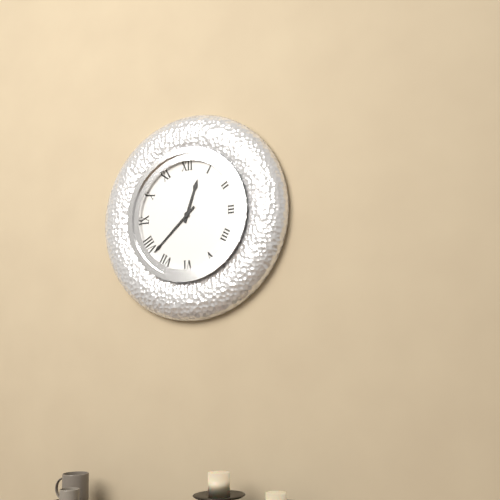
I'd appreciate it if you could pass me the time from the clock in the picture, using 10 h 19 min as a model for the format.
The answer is 12 h 38 min
